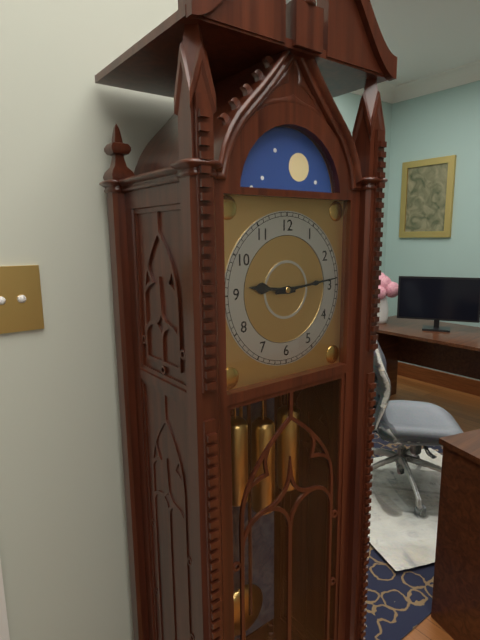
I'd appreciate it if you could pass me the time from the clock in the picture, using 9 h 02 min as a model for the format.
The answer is 9 h 14 min
